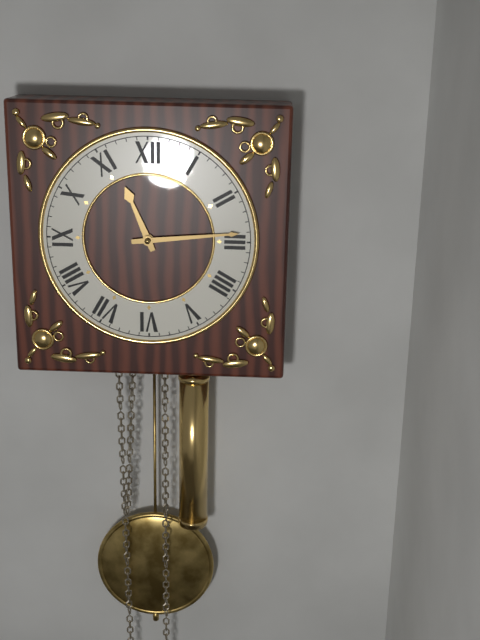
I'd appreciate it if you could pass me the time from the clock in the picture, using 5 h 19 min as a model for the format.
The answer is 11 h 14 min
